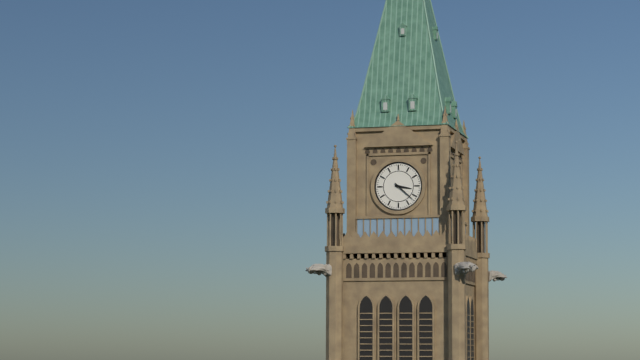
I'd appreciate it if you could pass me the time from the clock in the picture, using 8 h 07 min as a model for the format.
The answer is 3 h 22 min
